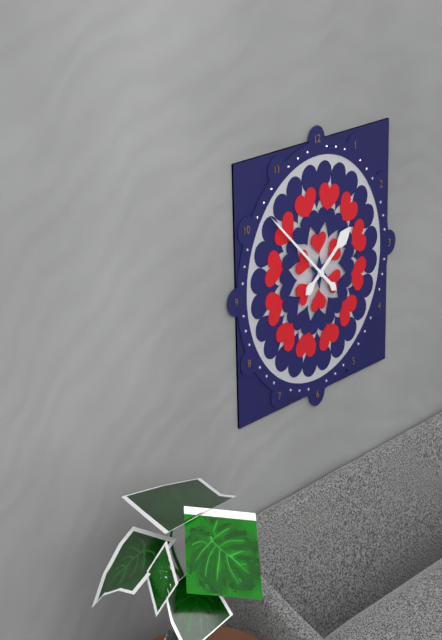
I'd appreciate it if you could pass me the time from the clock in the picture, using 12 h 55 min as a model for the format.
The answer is 1 h 52 min
